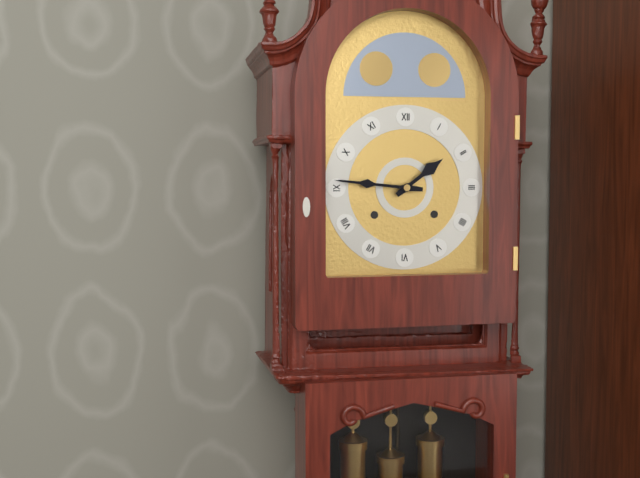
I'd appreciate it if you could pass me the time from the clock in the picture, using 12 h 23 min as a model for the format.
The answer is 1 h 46 min
